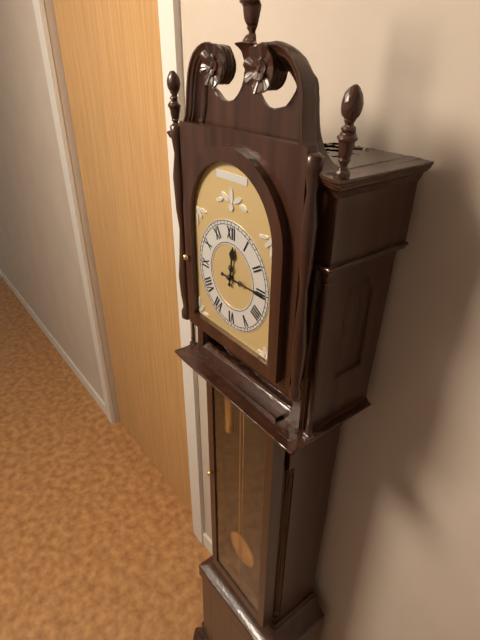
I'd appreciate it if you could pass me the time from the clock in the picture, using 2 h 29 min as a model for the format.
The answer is 12 h 15 min
